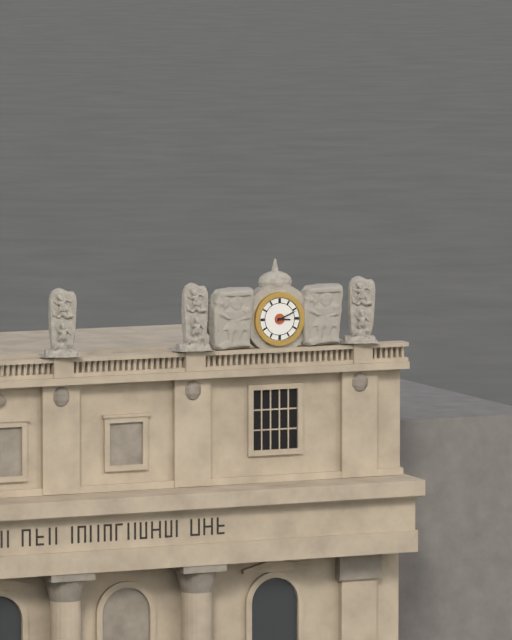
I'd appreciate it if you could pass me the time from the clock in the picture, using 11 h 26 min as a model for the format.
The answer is 3 h 11 min
